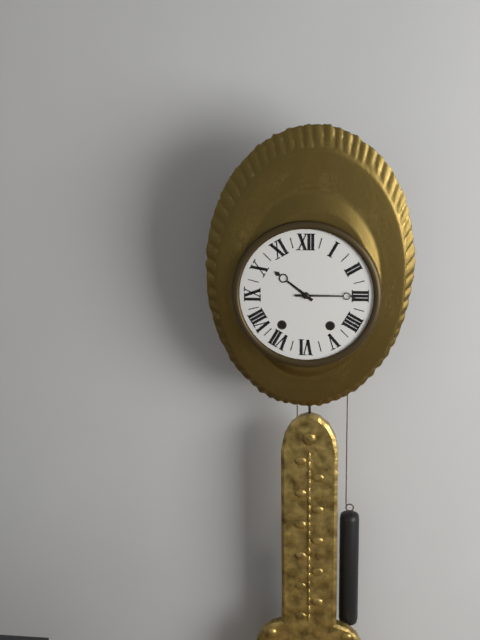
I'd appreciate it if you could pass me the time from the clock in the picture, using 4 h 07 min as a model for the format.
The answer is 10 h 15 min
